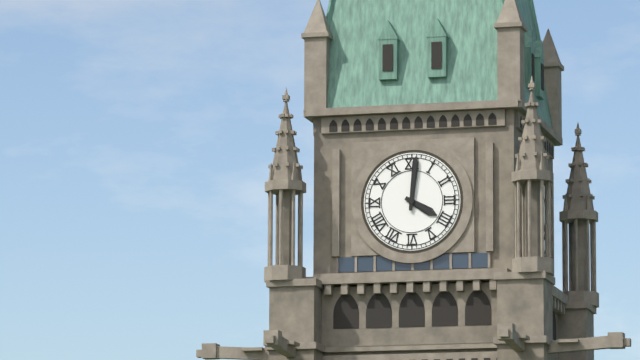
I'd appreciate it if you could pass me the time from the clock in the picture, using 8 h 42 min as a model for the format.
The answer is 4 h 01 min
